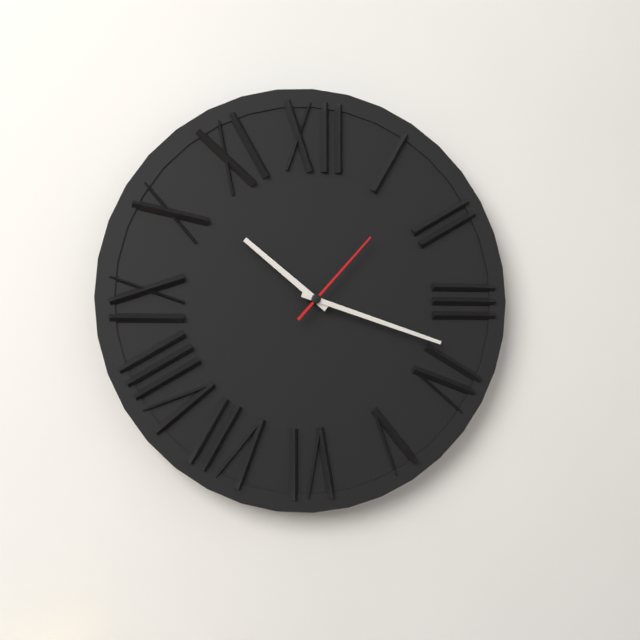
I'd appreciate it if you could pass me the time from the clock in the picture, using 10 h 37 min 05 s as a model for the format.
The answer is 10 h 18 min 07 s
